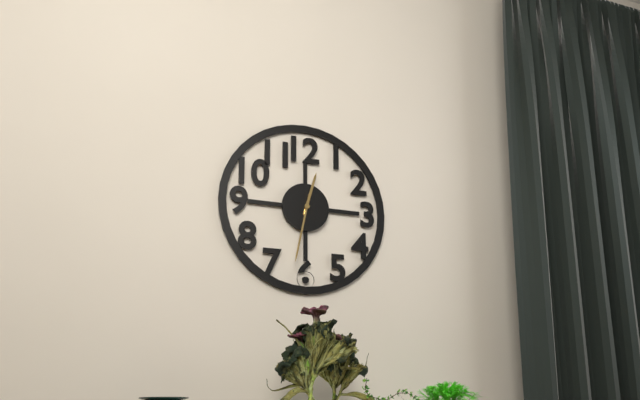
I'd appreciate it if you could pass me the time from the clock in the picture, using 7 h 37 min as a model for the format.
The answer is 12 h 32 min
